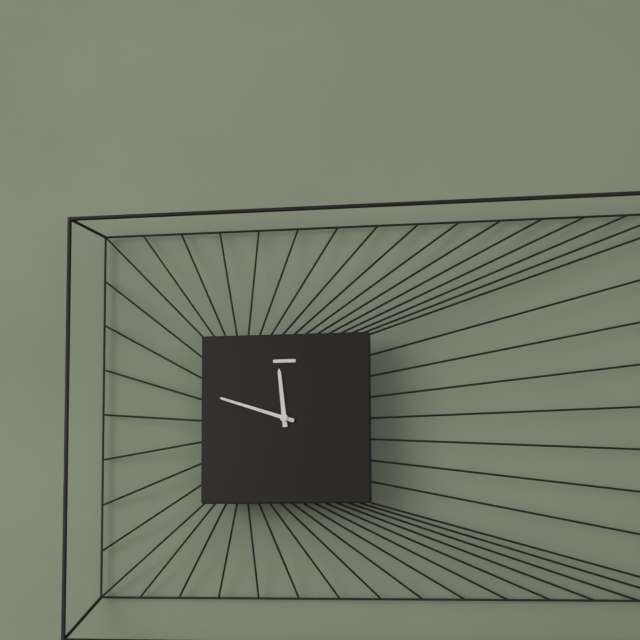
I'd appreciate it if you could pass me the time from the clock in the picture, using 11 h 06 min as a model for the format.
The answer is 11 h 48 min
